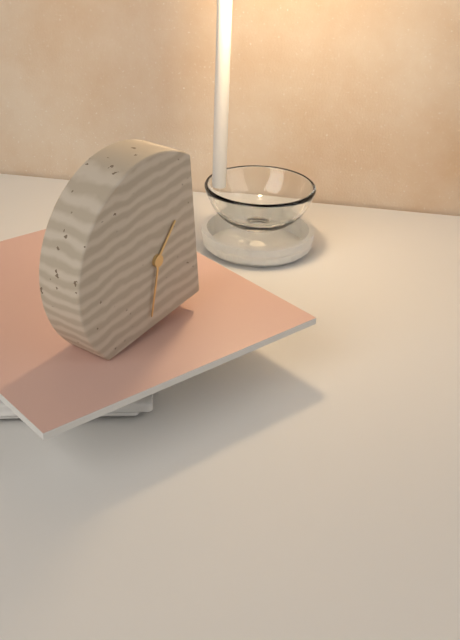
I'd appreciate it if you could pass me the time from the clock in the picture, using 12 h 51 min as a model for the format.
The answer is 1 h 33 min
